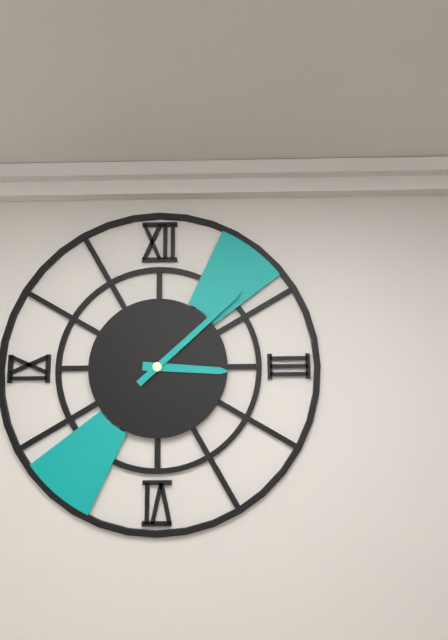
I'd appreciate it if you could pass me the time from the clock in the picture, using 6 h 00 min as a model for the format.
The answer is 3 h 08 min
